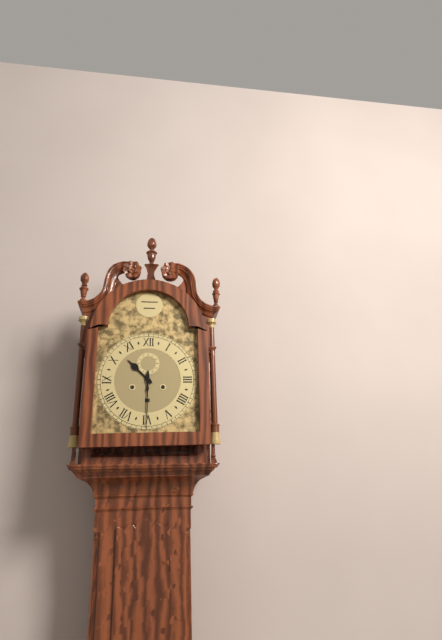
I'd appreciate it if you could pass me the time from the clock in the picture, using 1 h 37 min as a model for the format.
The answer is 10 h 30 min
